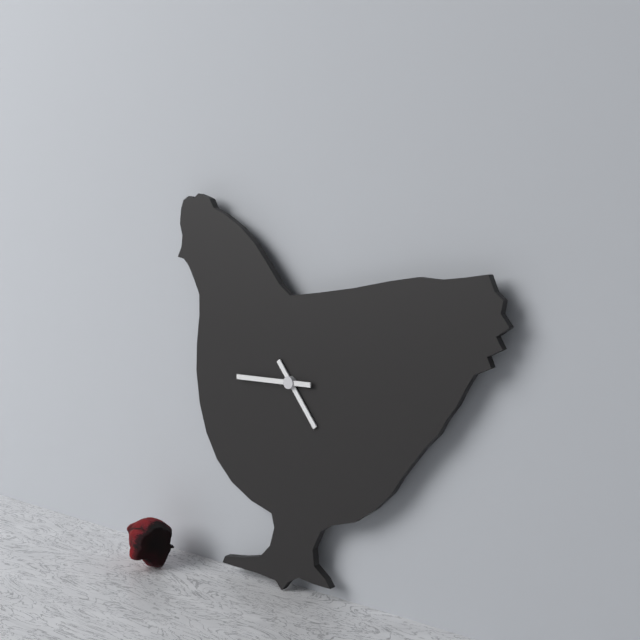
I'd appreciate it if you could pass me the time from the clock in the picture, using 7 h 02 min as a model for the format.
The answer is 4 h 45 min
